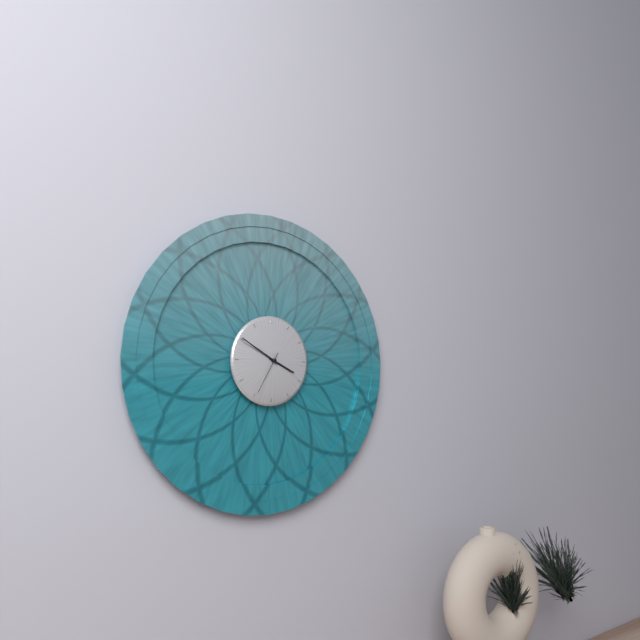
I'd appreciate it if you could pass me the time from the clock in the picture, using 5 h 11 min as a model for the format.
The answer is 3 h 50 min
